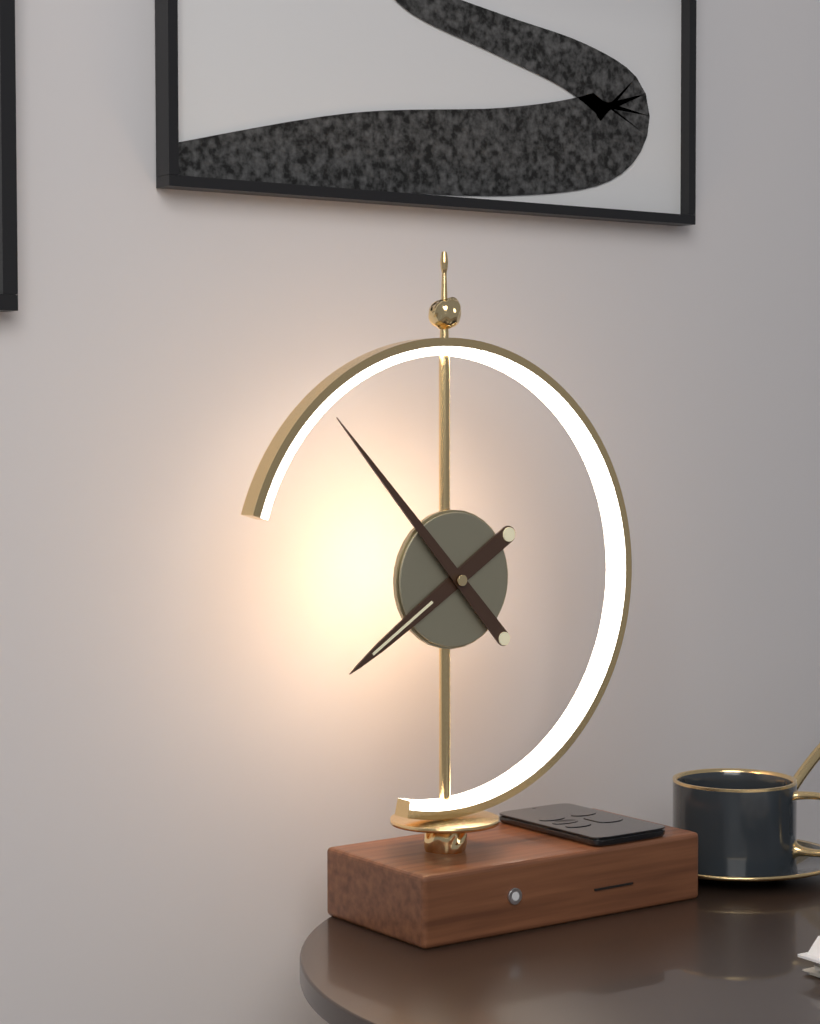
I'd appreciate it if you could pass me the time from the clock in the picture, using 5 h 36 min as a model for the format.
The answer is 7 h 53 min
